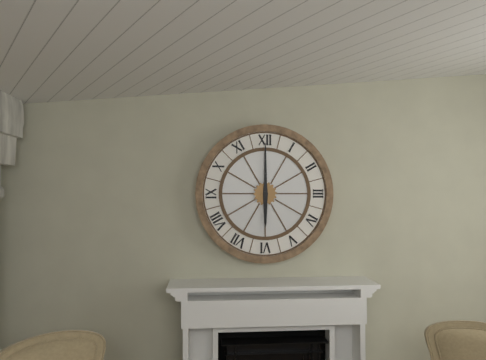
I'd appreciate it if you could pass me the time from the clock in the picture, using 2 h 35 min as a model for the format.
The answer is 6 h 00 min
